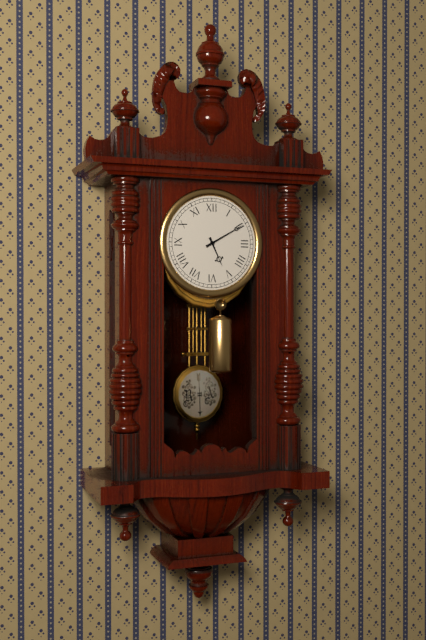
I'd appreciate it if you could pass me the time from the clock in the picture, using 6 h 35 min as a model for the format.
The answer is 5 h 10 min
